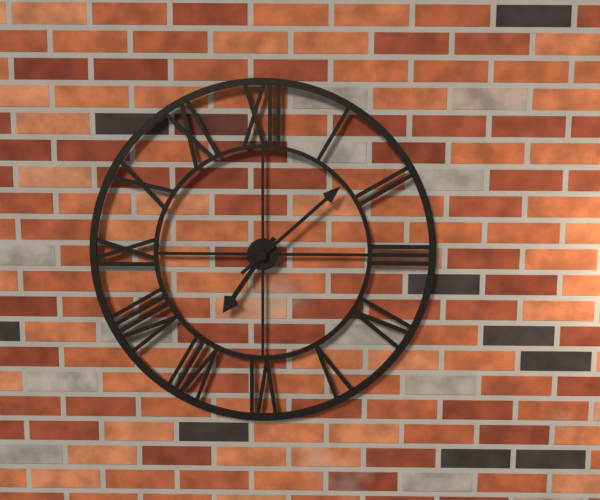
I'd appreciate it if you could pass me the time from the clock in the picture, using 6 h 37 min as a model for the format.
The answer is 7 h 08 min
